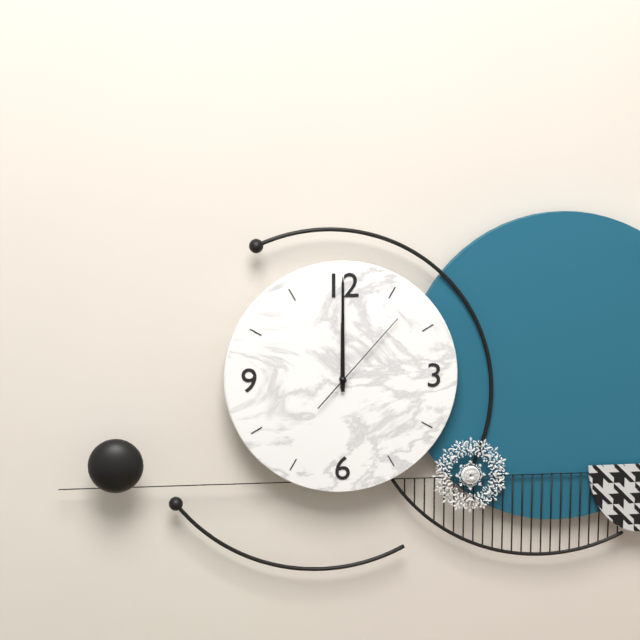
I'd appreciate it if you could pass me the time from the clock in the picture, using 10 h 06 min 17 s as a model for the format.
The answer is 12 h 00 min 07 s
